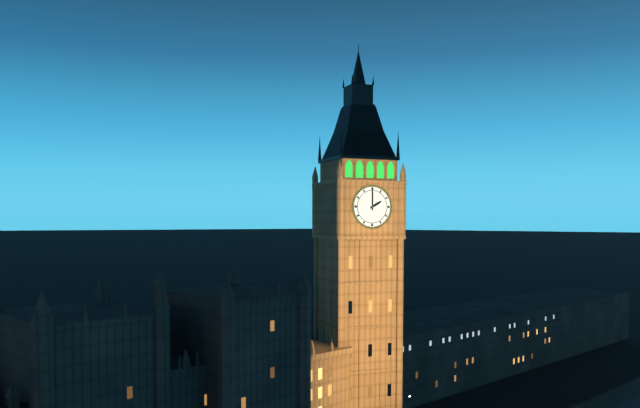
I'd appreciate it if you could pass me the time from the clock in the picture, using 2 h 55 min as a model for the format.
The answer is 2 h 00 min
